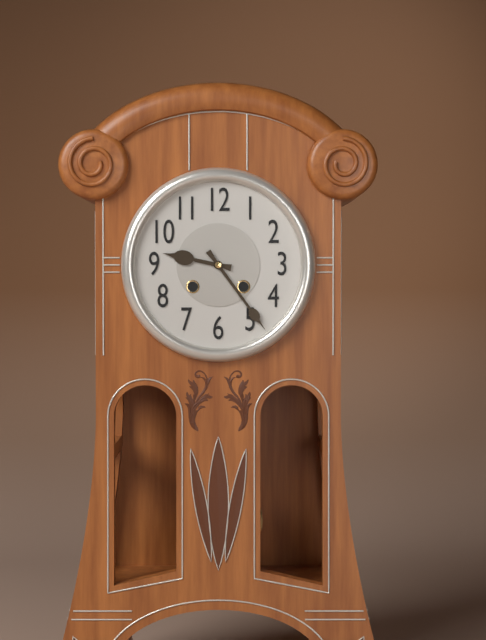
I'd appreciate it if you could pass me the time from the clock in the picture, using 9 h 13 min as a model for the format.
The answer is 9 h 24 min
